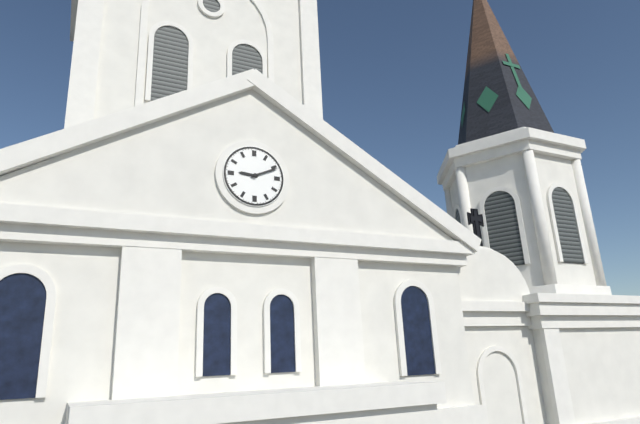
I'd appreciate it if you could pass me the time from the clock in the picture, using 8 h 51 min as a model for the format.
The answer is 9 h 11 min
